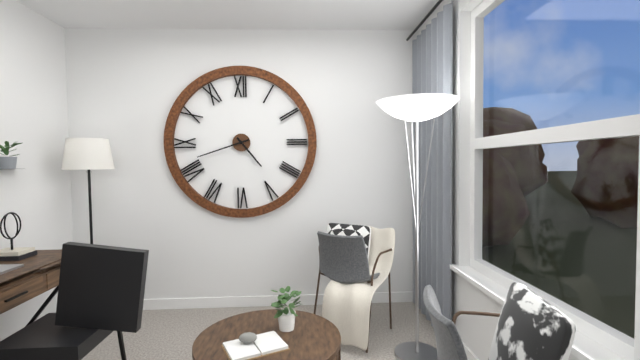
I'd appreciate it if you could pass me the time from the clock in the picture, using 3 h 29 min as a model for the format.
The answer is 4 h 42 min
